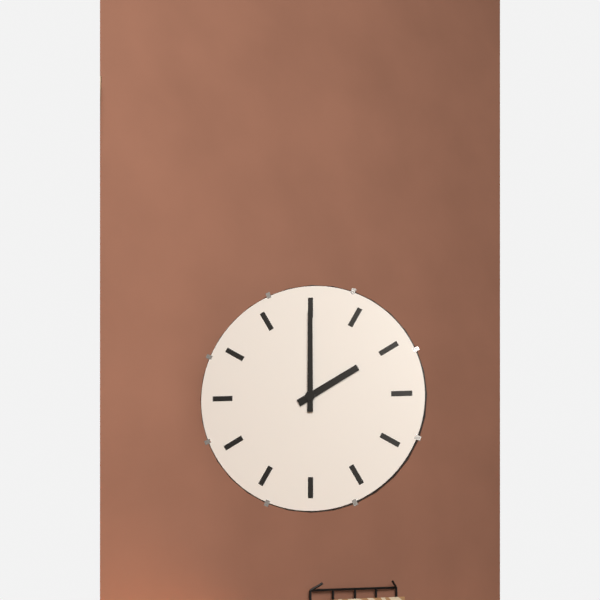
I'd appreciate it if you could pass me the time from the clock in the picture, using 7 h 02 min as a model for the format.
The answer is 2 h 00 min
